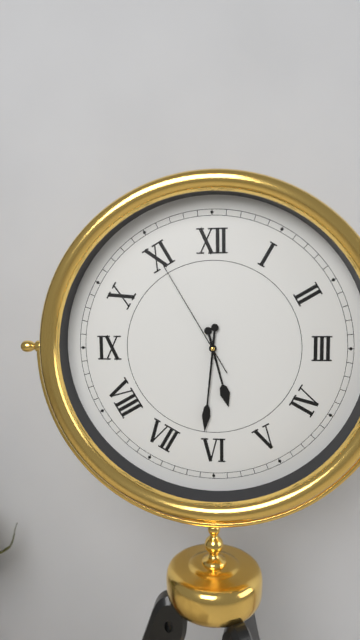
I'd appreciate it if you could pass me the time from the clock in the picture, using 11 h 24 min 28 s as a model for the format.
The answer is 5 h 31 min 55 s
